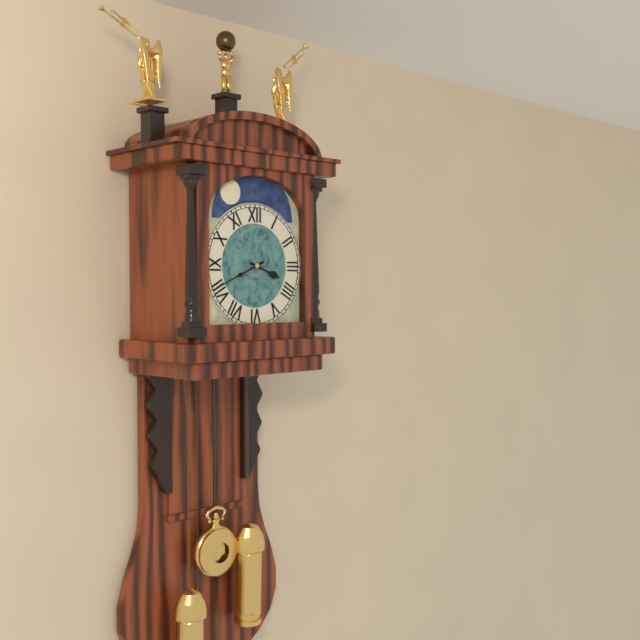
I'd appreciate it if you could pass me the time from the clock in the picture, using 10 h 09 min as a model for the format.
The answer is 3 h 41 min
